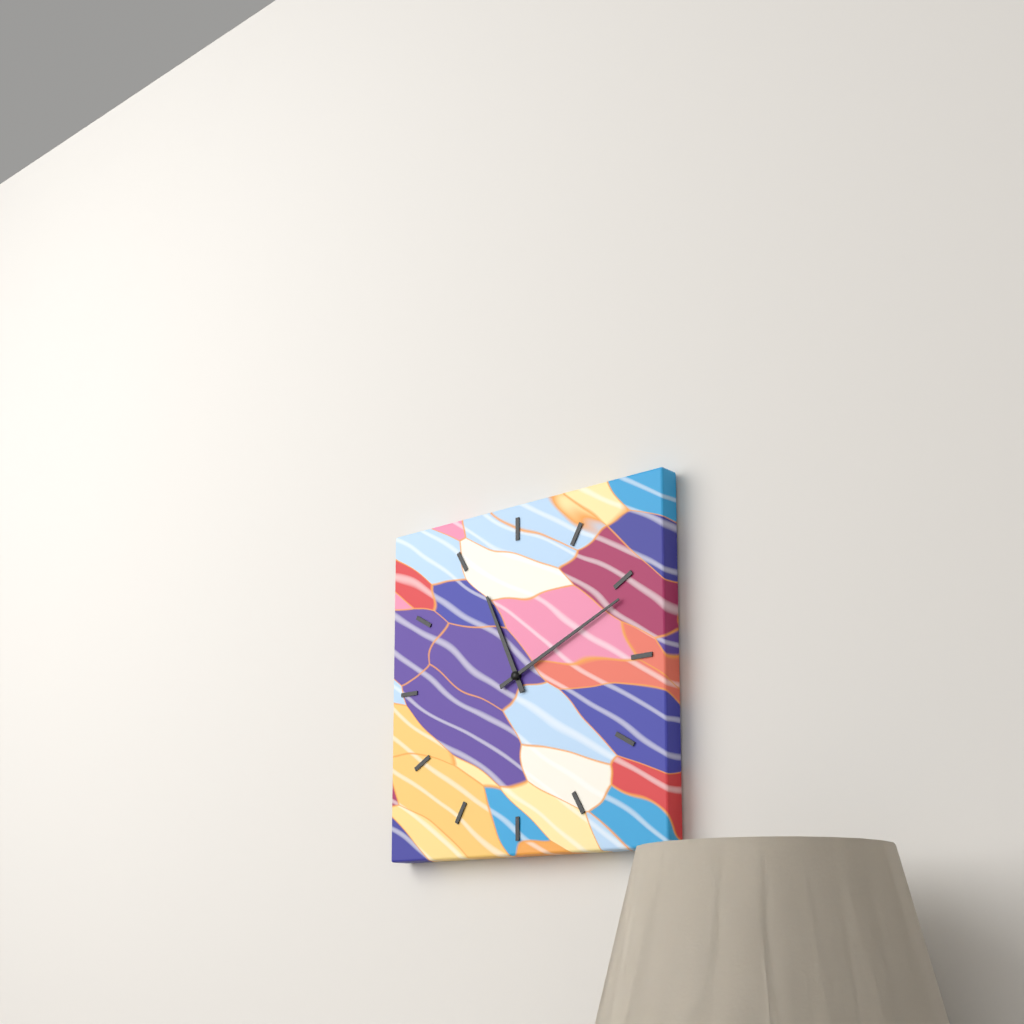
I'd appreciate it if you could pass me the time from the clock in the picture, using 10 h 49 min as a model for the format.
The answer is 11 h 11 min
